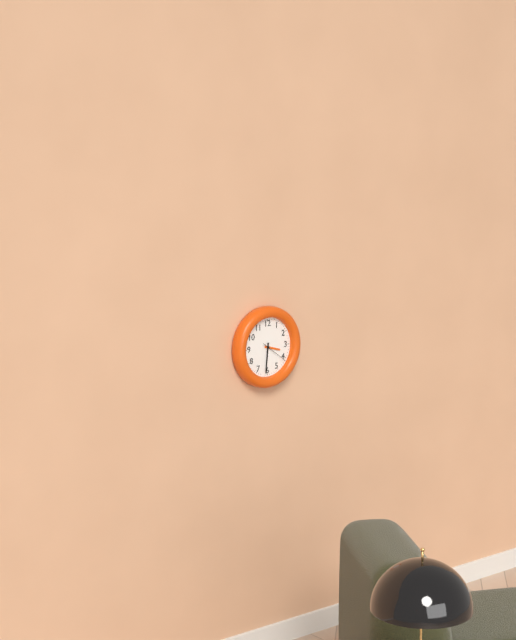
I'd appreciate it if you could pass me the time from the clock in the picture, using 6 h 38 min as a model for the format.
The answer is 3 h 31 min
